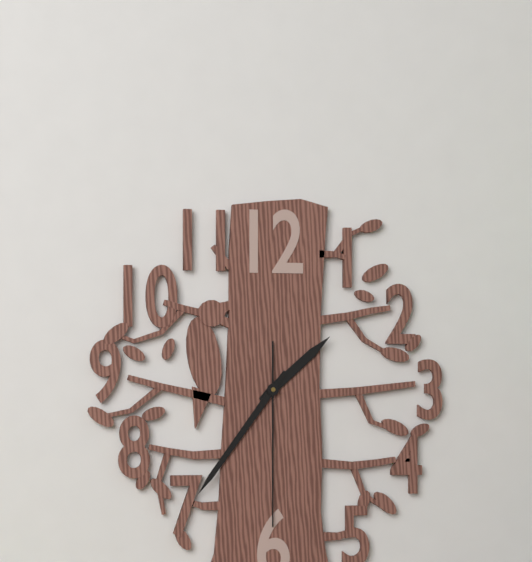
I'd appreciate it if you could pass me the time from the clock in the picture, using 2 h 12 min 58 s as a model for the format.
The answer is 1 h 36 min 30 s
